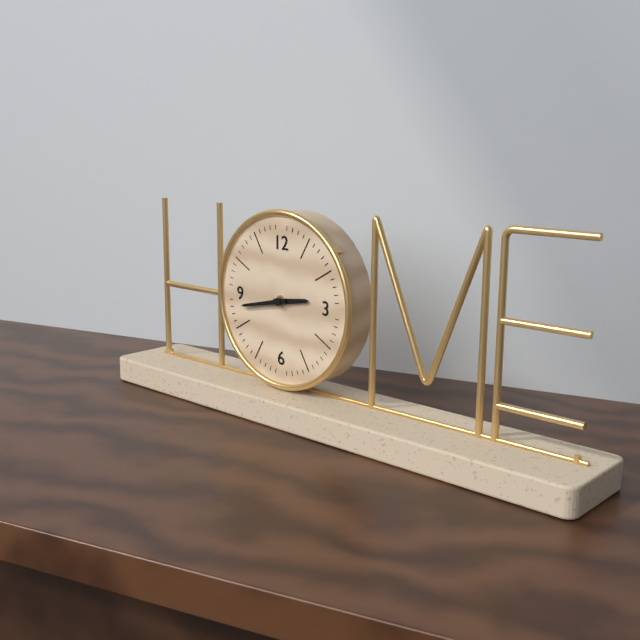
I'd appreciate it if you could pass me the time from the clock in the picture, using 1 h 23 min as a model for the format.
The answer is 2 h 43 min
